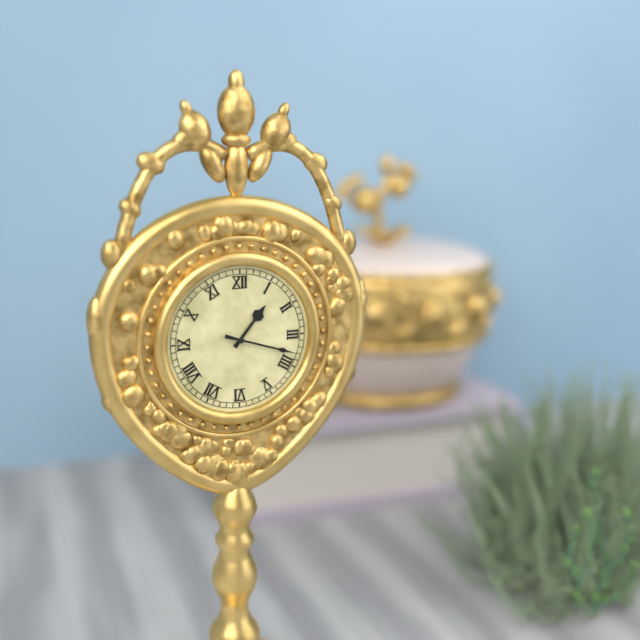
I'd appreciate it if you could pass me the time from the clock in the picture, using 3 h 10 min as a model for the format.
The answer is 1 h 18 min
